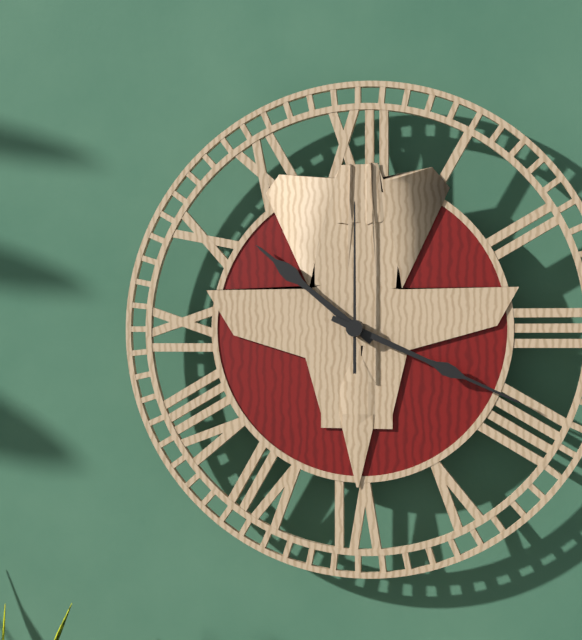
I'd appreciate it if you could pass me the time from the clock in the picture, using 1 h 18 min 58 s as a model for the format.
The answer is 10 h 19 min 00 s
